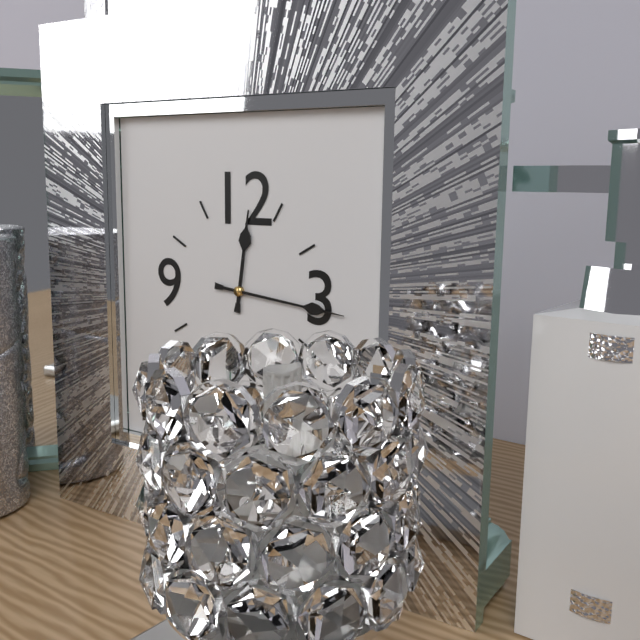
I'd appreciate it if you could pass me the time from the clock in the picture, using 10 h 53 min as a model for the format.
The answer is 12 h 16 min
